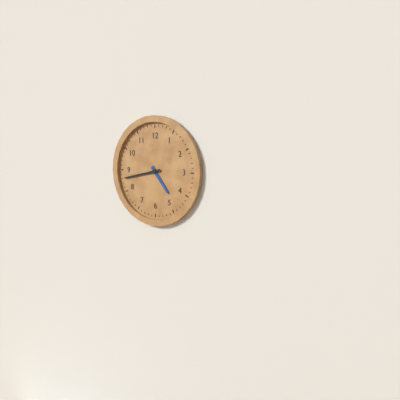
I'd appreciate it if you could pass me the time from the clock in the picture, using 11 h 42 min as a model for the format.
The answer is 4 h 43 min
